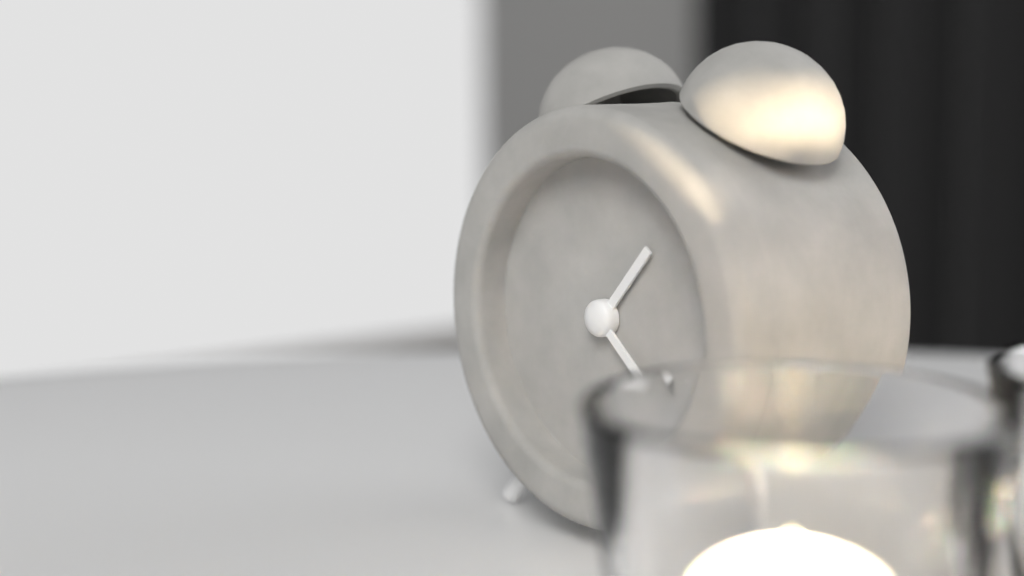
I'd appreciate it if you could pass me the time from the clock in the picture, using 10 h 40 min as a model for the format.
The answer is 1 h 22 min
